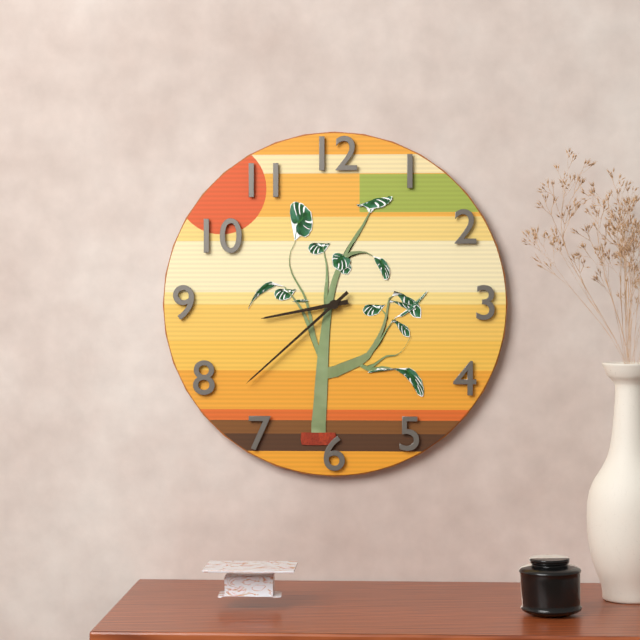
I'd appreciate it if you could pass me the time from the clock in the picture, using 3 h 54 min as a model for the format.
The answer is 8 h 38 min
